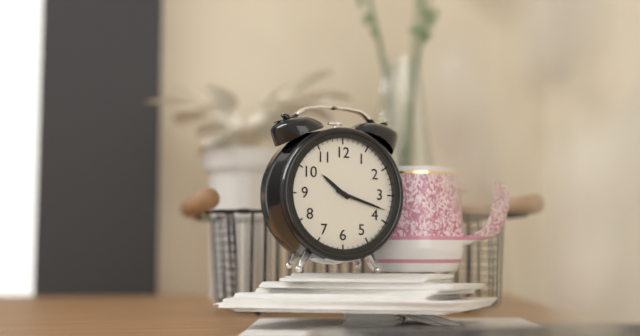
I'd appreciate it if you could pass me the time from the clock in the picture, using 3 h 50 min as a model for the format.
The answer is 10 h 18 min
